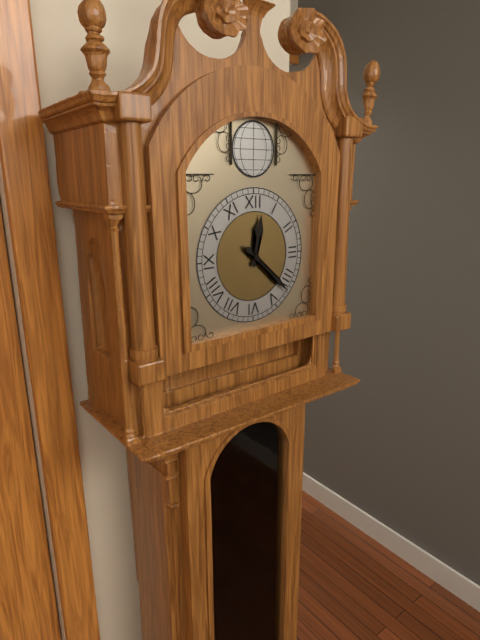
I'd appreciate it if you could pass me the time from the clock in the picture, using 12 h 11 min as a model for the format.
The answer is 12 h 22 min
